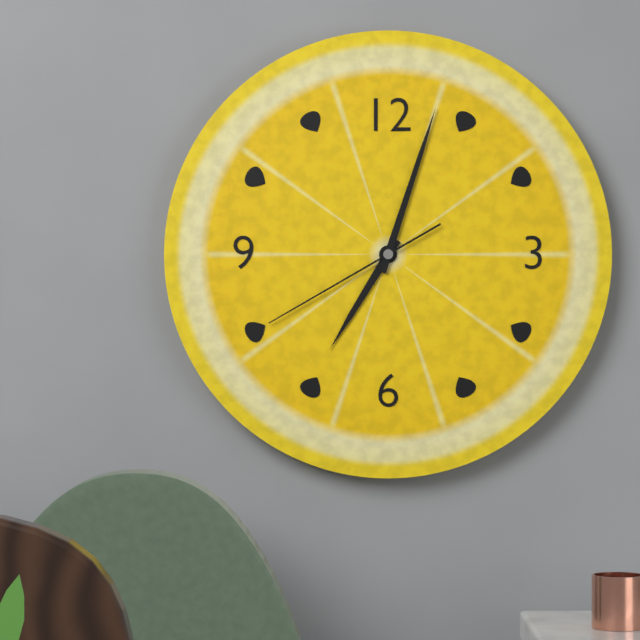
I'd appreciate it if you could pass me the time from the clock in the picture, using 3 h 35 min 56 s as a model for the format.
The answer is 7 h 03 min 40 s
